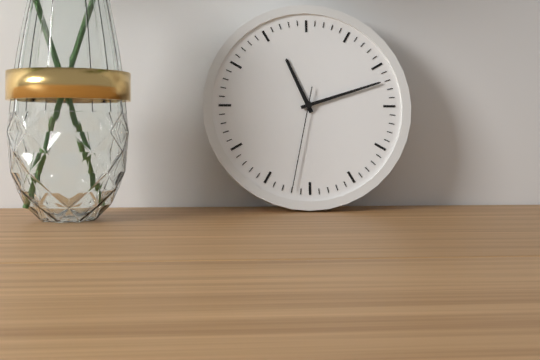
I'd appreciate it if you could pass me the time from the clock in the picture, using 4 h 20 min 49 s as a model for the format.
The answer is 11 h 12 min 32 s
